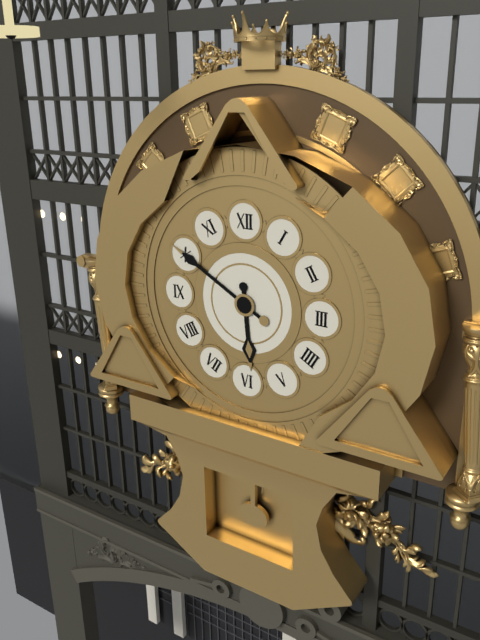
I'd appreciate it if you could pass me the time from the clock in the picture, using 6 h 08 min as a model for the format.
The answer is 5 h 50 min
